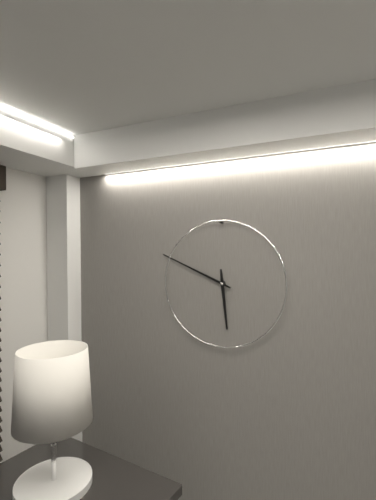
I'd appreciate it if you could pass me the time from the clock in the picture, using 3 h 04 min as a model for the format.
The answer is 5 h 49 min
